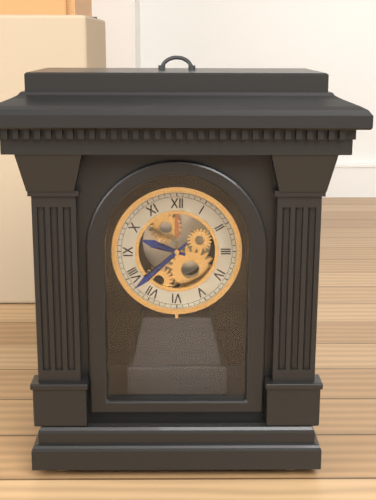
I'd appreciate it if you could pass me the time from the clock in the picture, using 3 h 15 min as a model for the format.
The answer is 9 h 38 min
